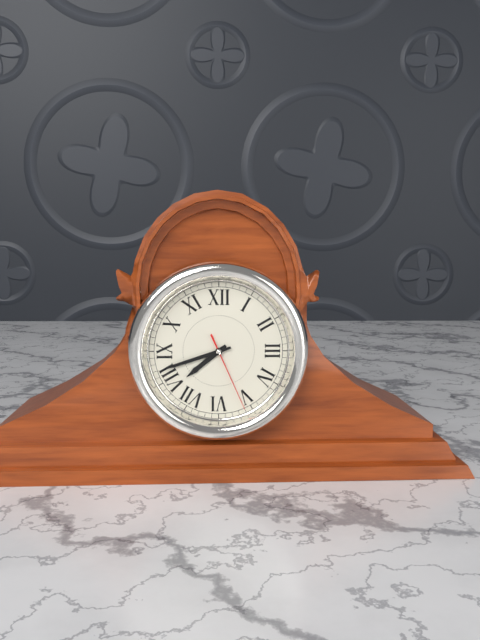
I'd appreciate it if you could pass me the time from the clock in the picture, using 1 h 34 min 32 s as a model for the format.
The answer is 7 h 42 min 26 s
